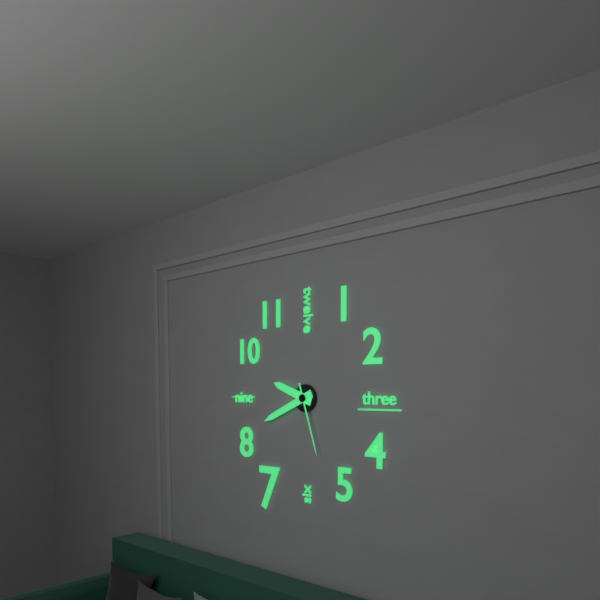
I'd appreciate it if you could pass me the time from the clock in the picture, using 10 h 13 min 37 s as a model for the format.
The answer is 9 h 41 min 27 s
